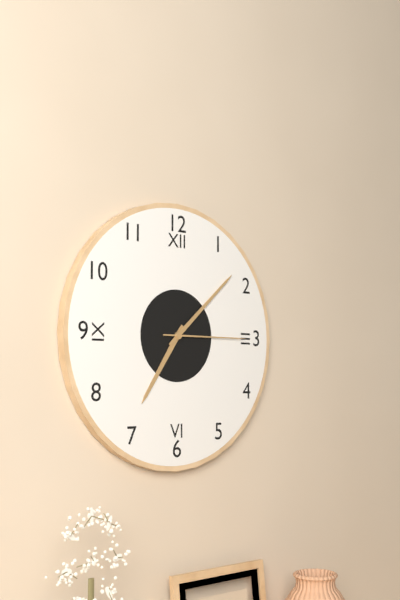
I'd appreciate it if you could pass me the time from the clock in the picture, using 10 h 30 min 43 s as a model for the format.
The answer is 7 h 08 min 15 s
